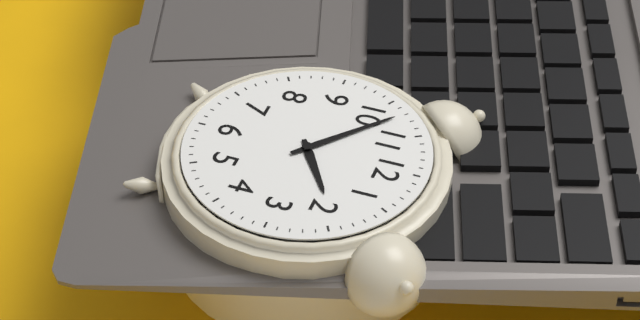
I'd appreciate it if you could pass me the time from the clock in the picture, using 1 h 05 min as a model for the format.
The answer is 1 h 52 min
